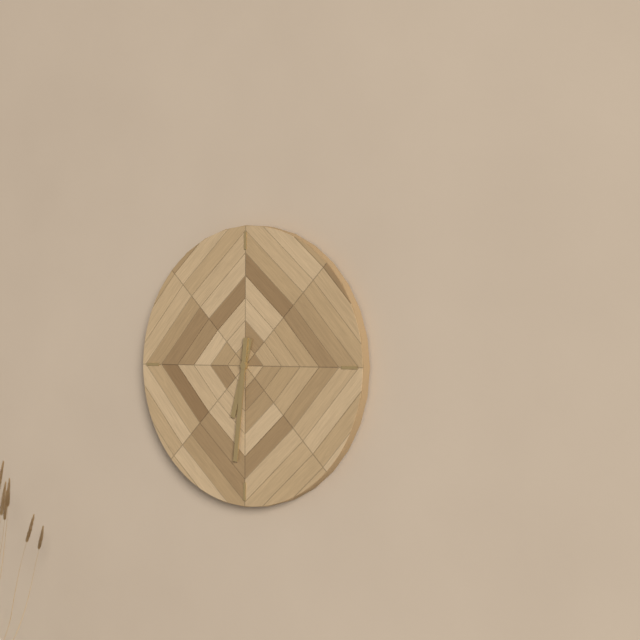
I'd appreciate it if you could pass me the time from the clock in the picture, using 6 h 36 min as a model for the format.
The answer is 6 h 31 min
